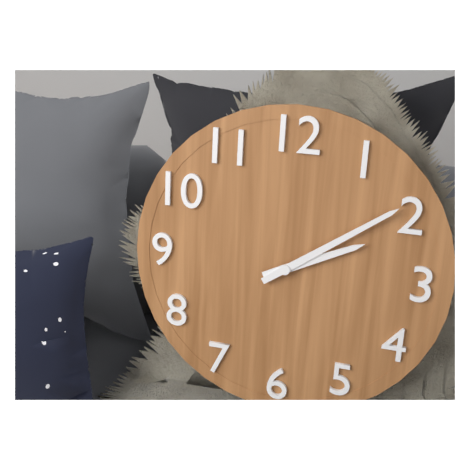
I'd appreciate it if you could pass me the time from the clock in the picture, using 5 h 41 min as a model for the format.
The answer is 2 h 09 min
